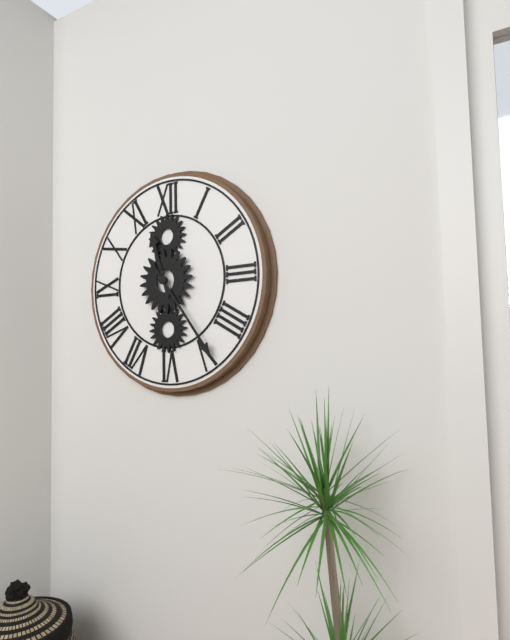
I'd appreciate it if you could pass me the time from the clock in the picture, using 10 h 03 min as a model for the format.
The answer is 11 h 24 min
